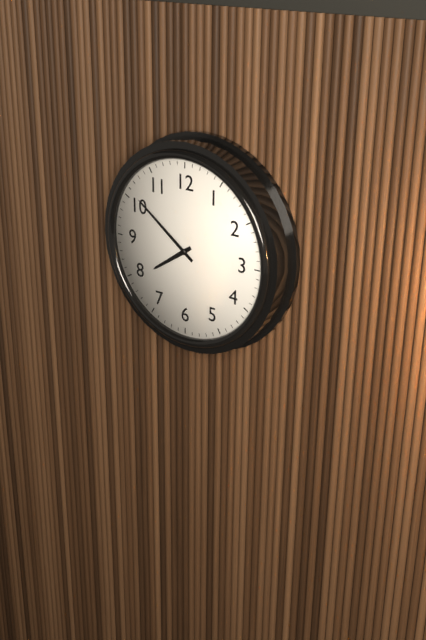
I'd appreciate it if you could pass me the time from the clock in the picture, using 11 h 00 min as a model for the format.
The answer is 7 h 51 min
